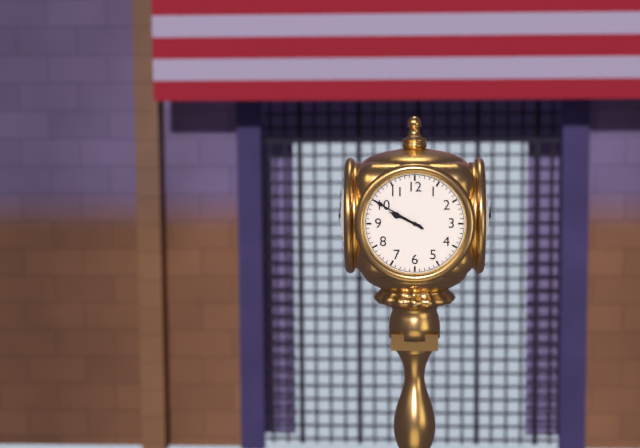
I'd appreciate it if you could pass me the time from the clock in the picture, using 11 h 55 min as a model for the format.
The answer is 9 h 50 min
